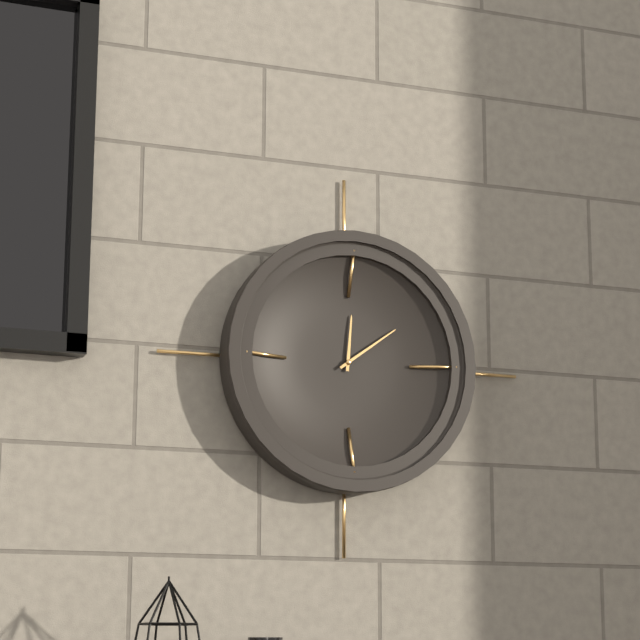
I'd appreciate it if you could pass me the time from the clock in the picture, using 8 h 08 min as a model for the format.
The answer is 12 h 09 min
